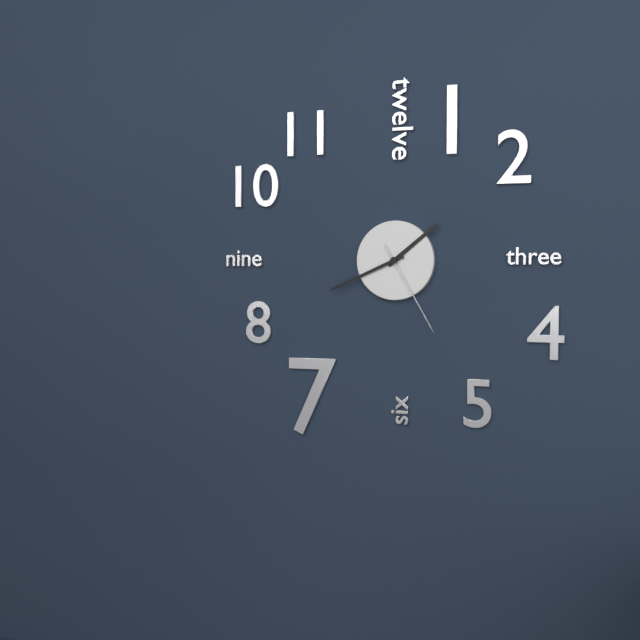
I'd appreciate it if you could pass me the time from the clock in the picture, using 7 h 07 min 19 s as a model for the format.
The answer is 1 h 41 min 25 s
